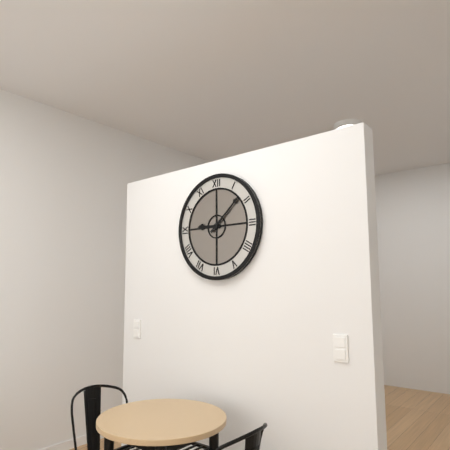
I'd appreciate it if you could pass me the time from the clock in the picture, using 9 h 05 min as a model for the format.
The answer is 9 h 08 min
